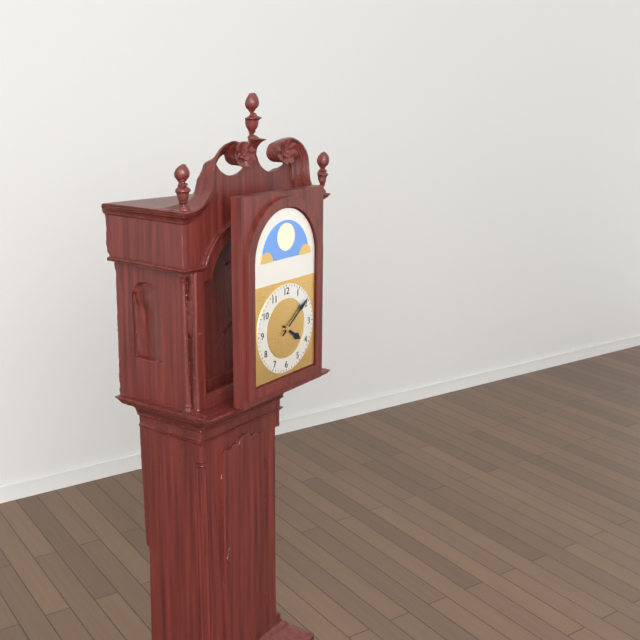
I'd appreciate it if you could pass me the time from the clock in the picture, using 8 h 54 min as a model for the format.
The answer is 4 h 09 min
